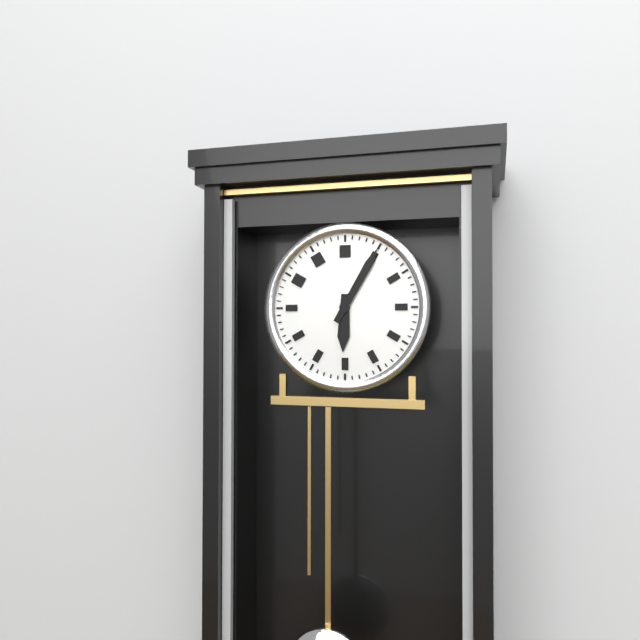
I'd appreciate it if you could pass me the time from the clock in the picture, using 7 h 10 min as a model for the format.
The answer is 6 h 05 min
